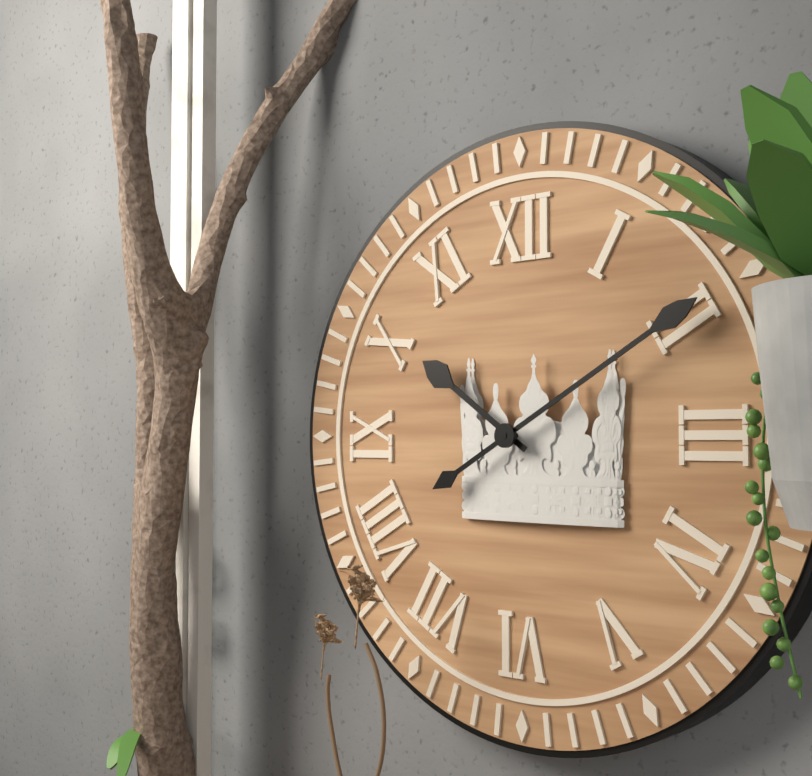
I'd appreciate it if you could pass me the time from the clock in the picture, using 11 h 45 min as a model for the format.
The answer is 10 h 10 min
